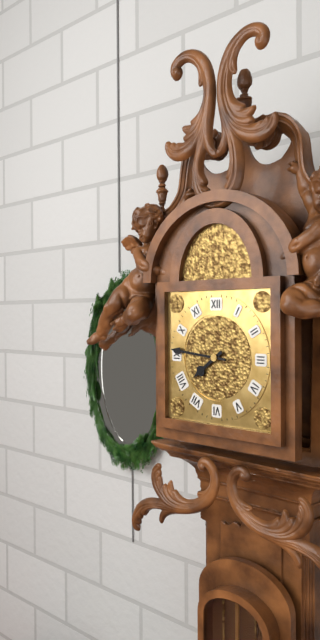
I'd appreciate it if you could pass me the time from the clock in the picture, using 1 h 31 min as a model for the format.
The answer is 7 h 46 min
